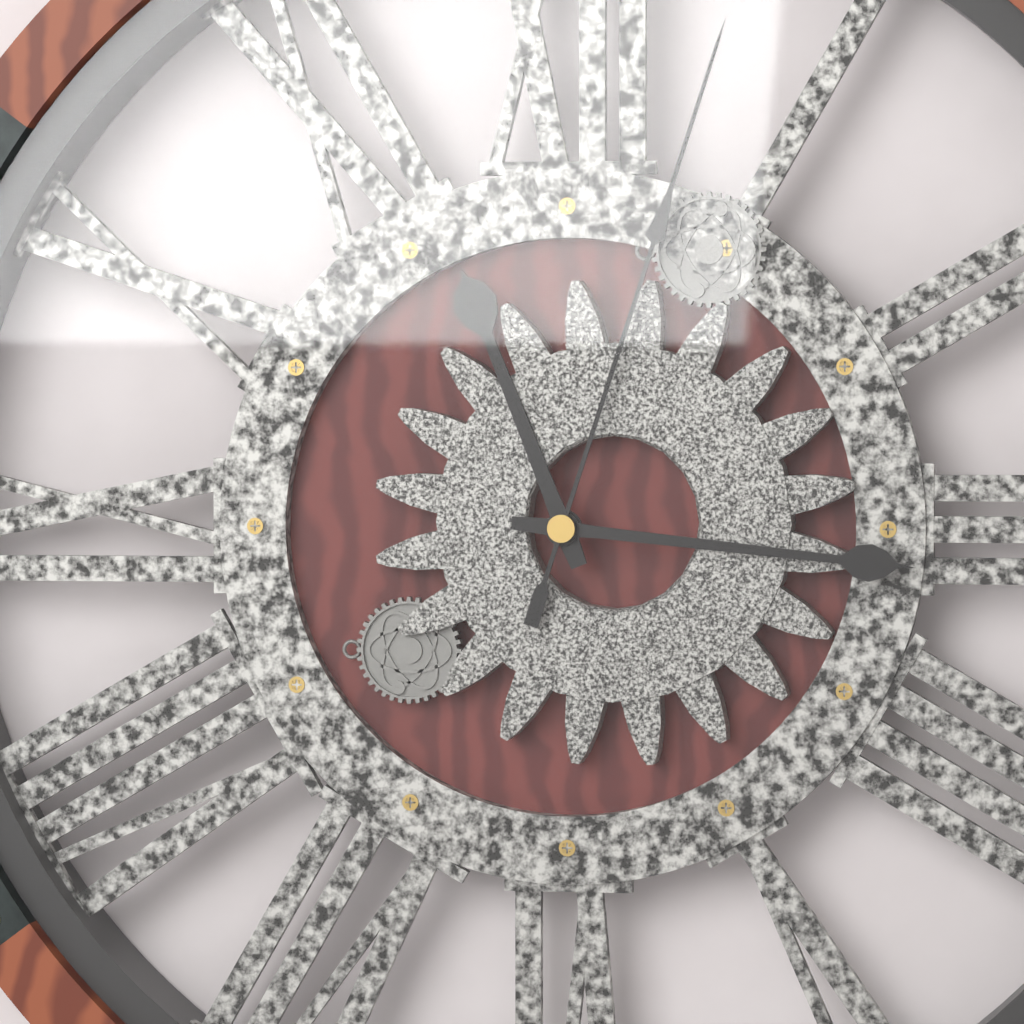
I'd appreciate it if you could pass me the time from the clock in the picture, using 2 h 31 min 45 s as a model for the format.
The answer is 11 h 16 min 03 s
